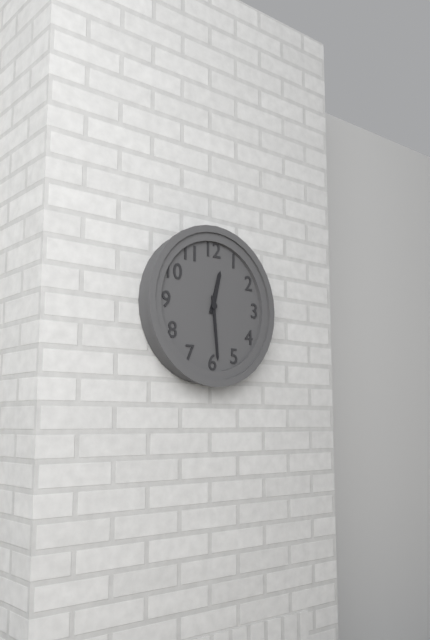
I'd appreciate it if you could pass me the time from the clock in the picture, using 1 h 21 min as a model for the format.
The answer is 12 h 29 min
